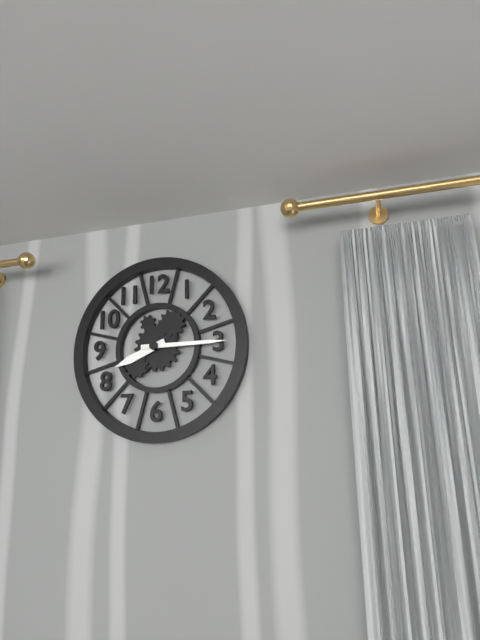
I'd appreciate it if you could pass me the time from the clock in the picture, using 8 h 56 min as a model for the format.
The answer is 8 h 15 min
